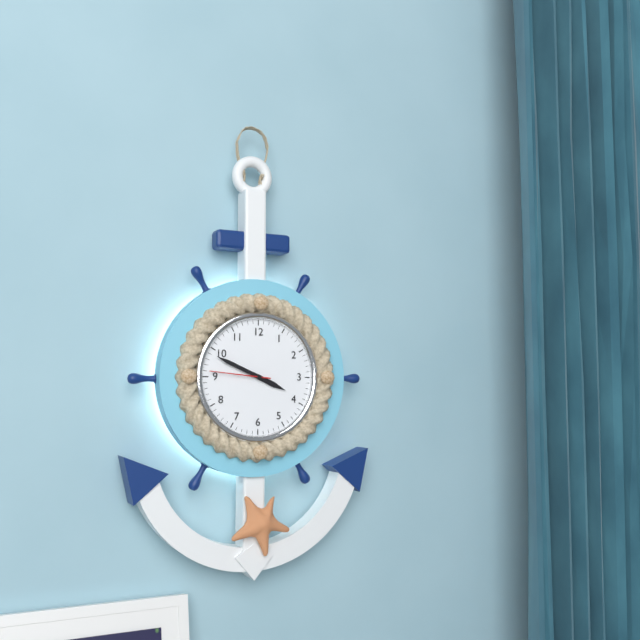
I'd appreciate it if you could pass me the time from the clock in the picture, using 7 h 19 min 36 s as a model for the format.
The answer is 3 h 49 min 46 s
